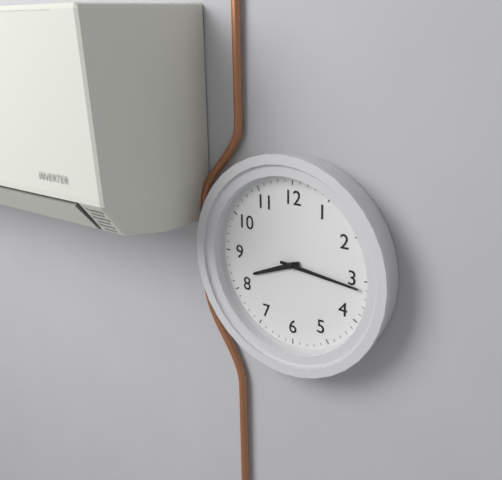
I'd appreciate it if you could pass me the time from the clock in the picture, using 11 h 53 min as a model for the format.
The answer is 8 h 16 min
